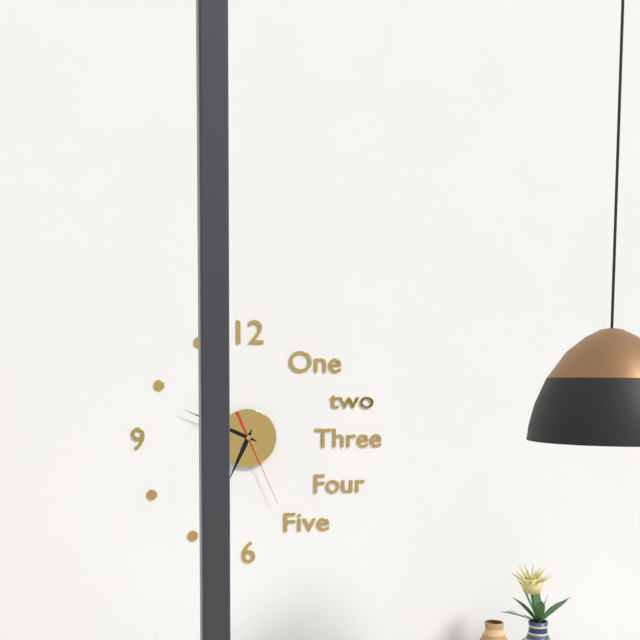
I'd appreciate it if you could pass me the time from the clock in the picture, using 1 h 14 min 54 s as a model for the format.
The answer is 6 h 49 min 26 s
